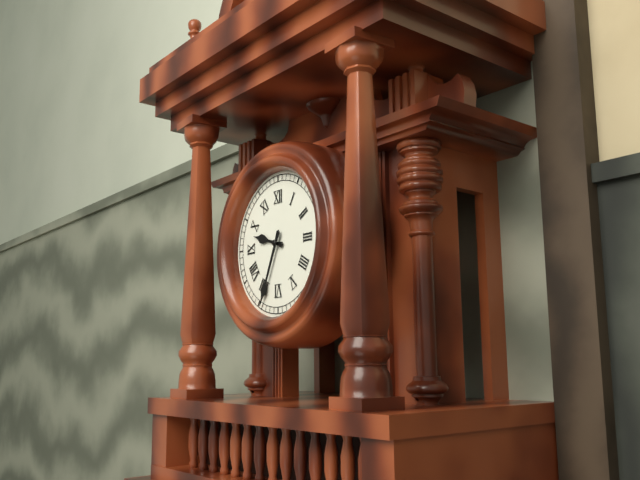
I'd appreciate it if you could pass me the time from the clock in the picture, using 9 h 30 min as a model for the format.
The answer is 9 h 34 min
